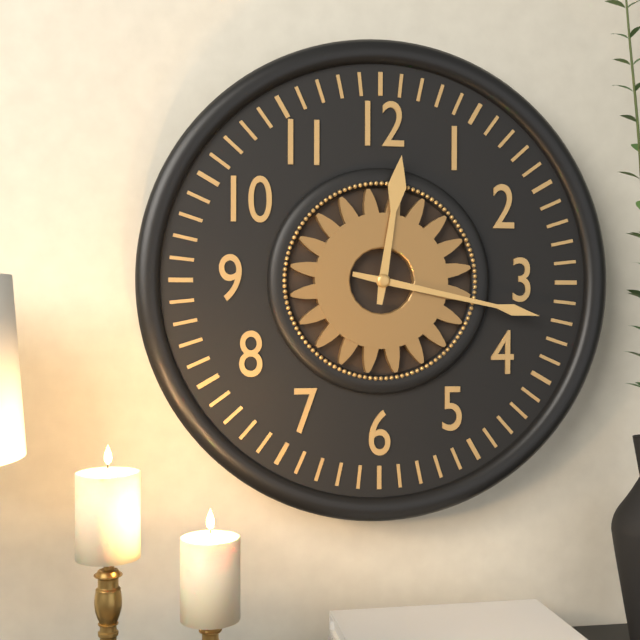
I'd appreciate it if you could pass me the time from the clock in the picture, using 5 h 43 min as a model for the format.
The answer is 12 h 17 min
